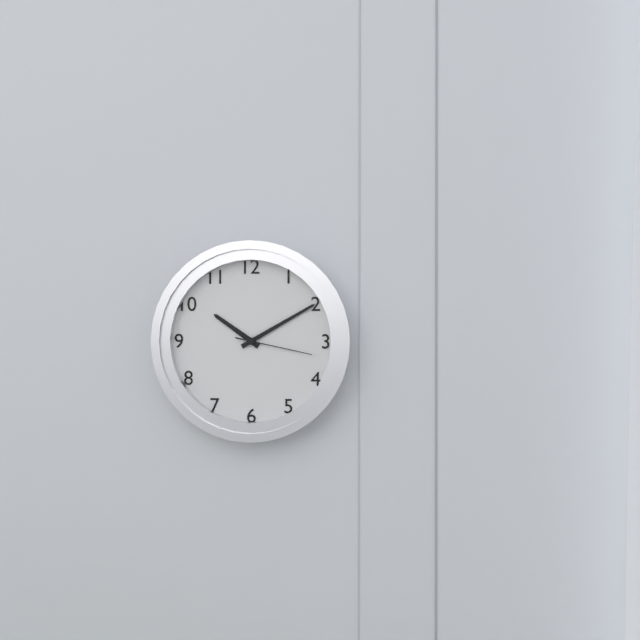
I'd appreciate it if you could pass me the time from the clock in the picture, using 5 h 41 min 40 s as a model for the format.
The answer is 10 h 10 min 17 s
